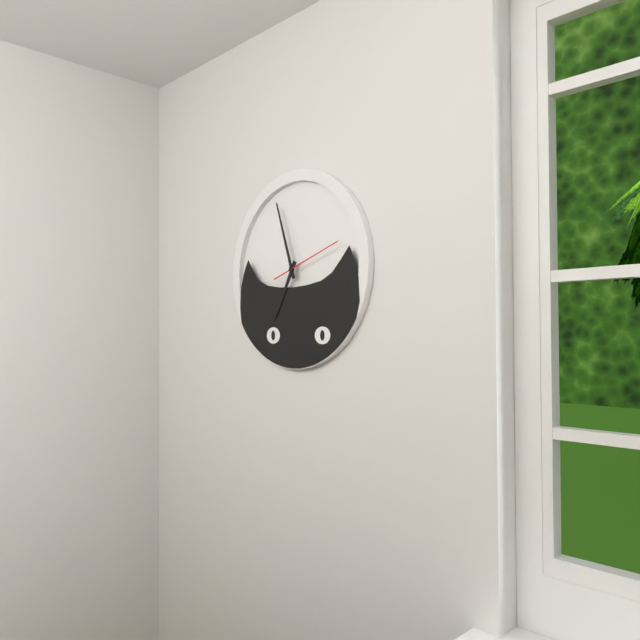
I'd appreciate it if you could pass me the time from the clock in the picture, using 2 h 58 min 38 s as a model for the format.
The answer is 6 h 57 min 12 s
